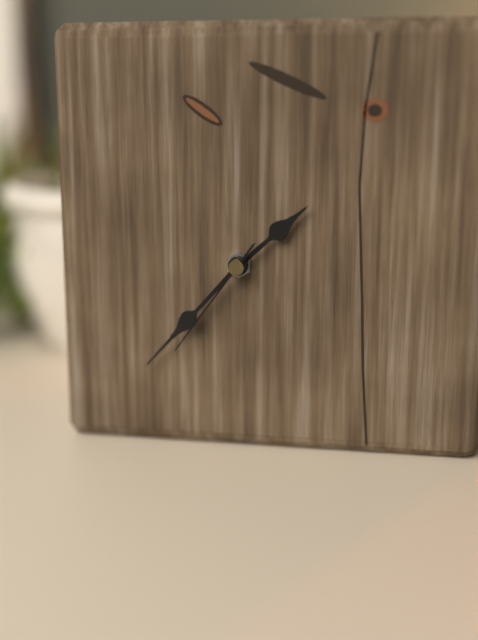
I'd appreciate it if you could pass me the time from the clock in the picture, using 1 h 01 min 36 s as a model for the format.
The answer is 1 h 37 min 36 s
